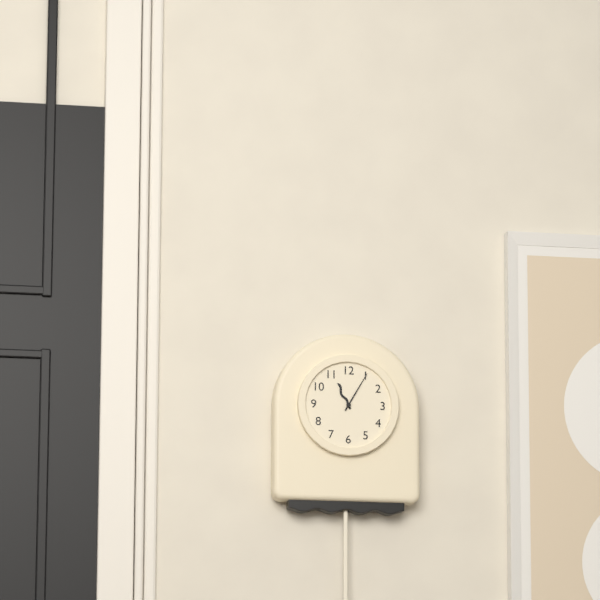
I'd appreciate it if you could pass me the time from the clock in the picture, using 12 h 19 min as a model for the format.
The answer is 11 h 05 min
